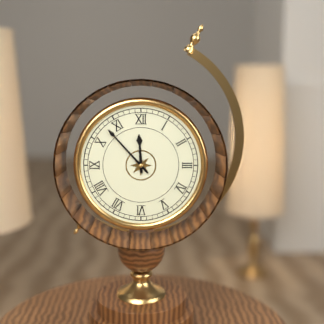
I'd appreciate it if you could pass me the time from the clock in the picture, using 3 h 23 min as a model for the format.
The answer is 11 h 53 min
